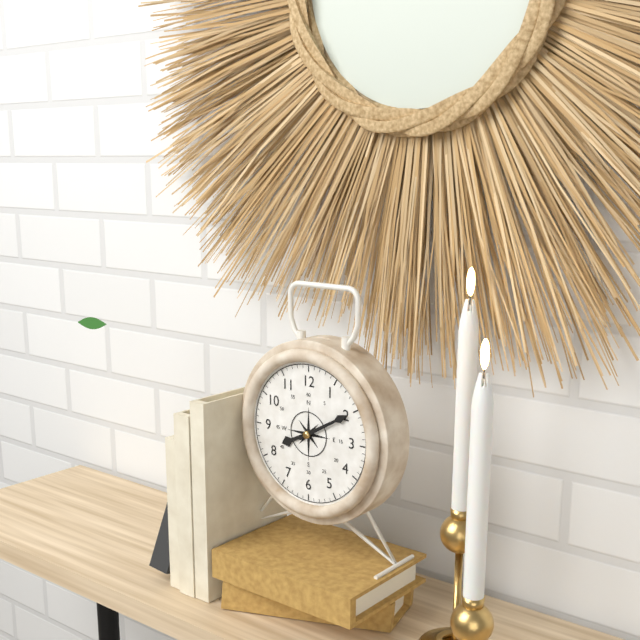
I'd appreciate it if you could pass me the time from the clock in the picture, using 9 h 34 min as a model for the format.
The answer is 8 h 10 min
